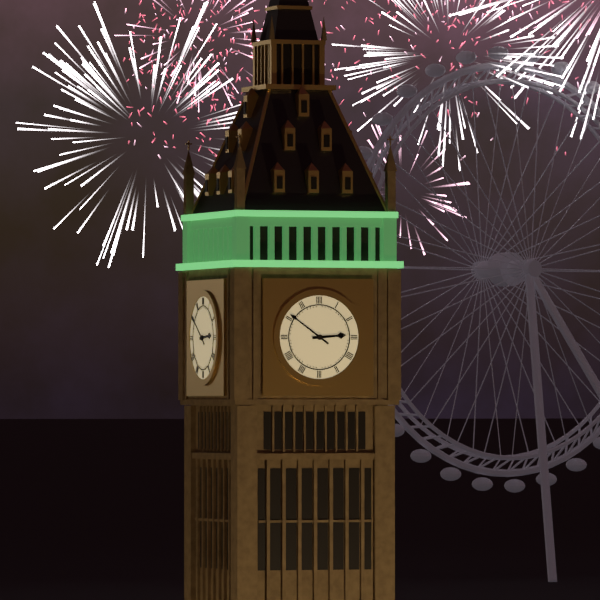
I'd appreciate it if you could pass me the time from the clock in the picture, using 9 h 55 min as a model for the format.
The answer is 2 h 51 min
